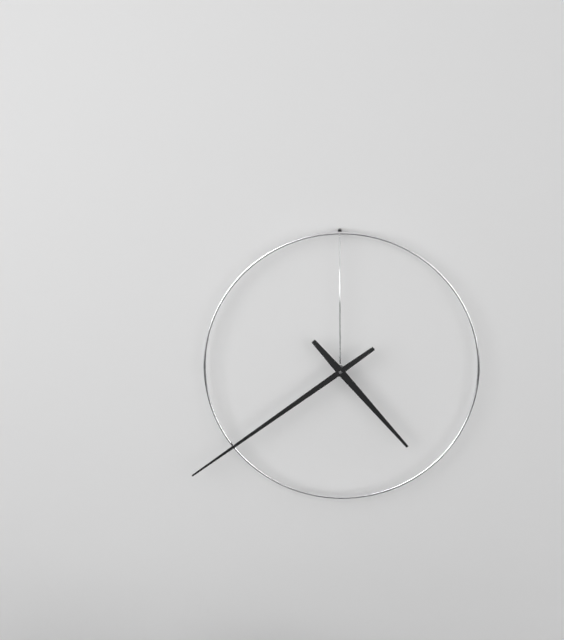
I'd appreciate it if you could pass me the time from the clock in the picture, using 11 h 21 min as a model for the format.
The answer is 4 h 39 min
